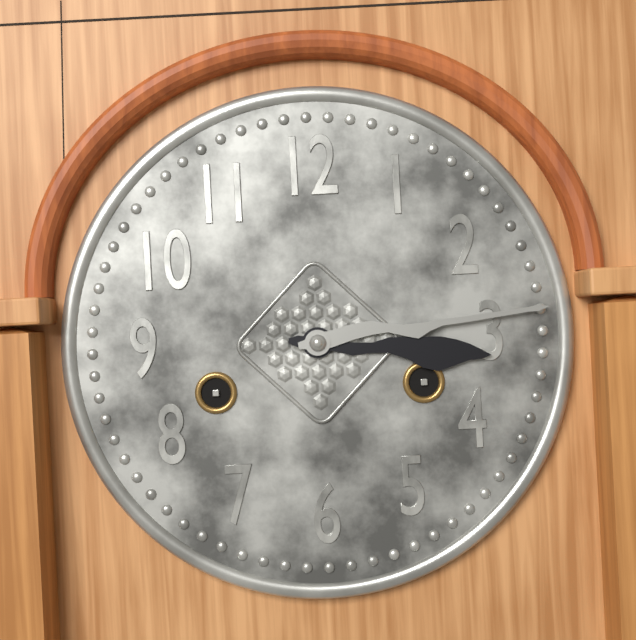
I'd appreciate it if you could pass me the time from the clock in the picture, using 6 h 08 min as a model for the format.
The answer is 3 h 14 min
